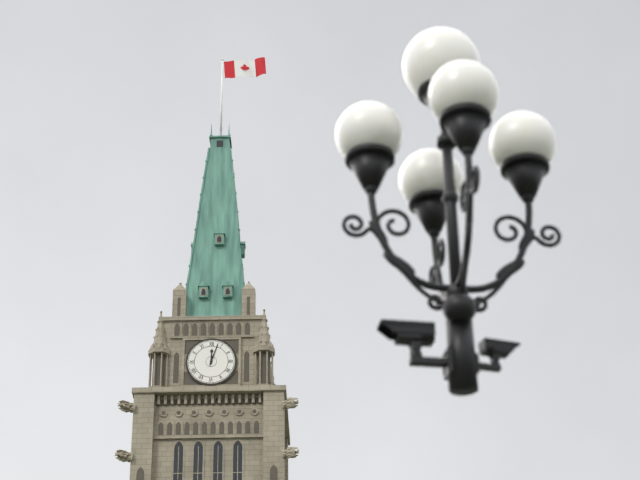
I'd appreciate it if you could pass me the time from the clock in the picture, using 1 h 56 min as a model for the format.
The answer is 12 h 03 min
